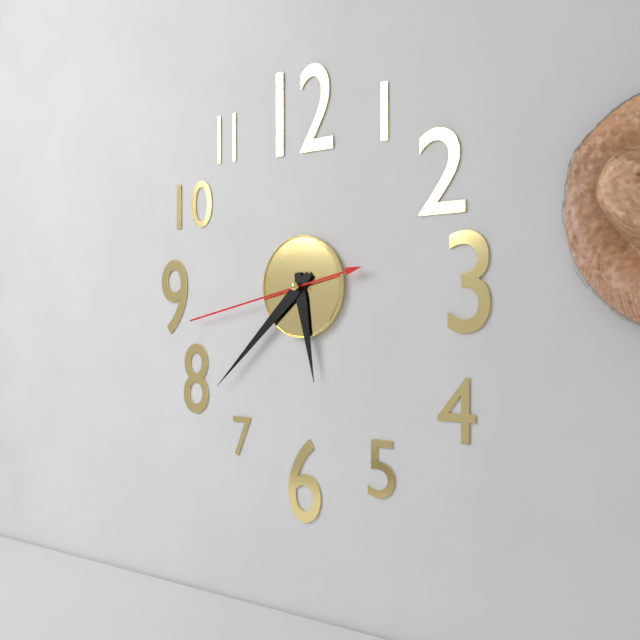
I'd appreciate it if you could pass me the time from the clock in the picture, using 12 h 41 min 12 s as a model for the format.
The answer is 5 h 38 min 43 s
